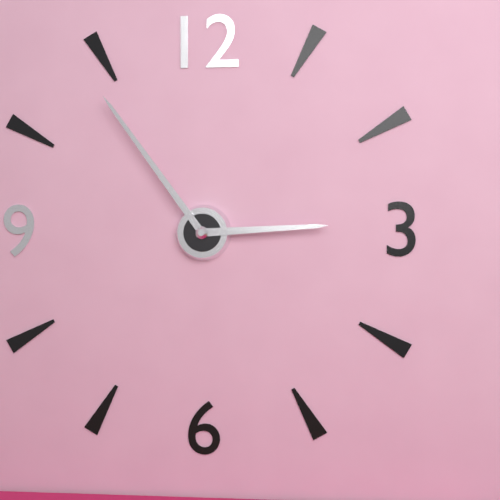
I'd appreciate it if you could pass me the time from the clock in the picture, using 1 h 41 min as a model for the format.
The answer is 2 h 54 min
